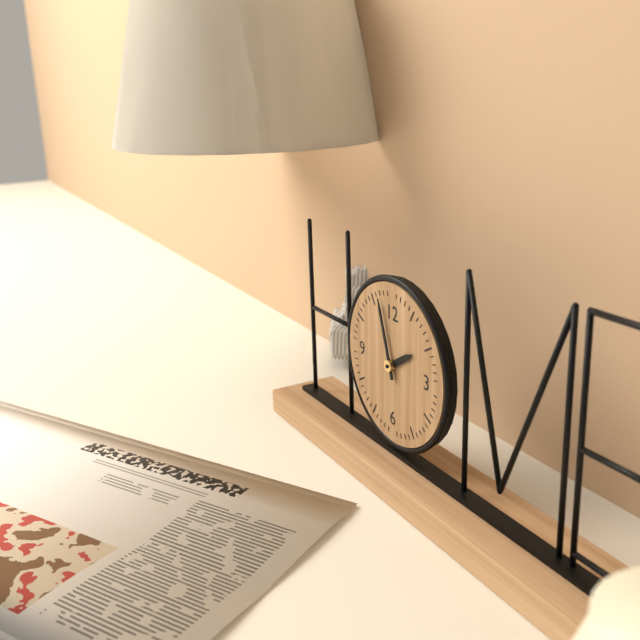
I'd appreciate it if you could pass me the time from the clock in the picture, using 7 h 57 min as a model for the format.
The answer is 1 h 57 min
